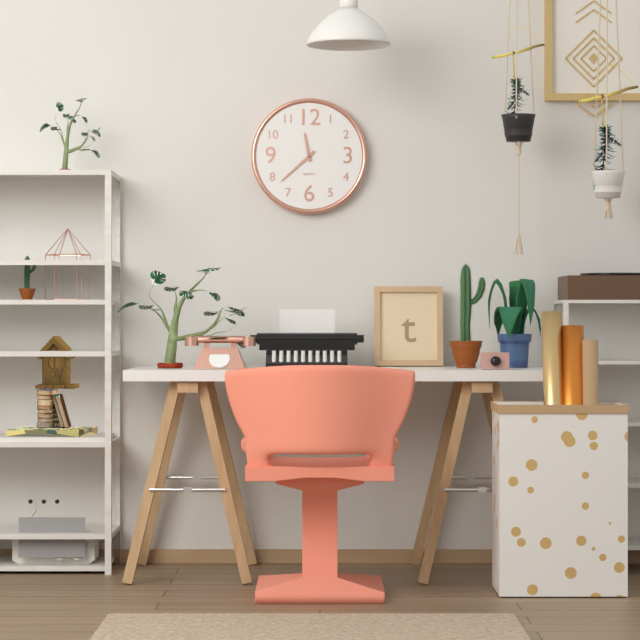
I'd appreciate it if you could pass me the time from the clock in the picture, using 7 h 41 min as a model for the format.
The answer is 11 h 38 min
